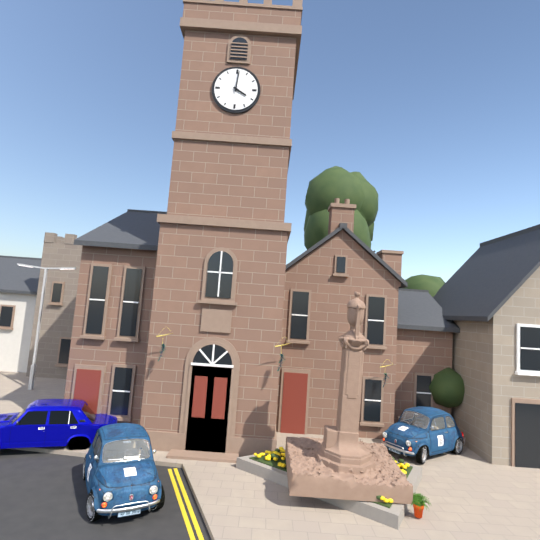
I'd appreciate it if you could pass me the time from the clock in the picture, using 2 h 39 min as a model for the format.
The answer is 4 h 01 min
